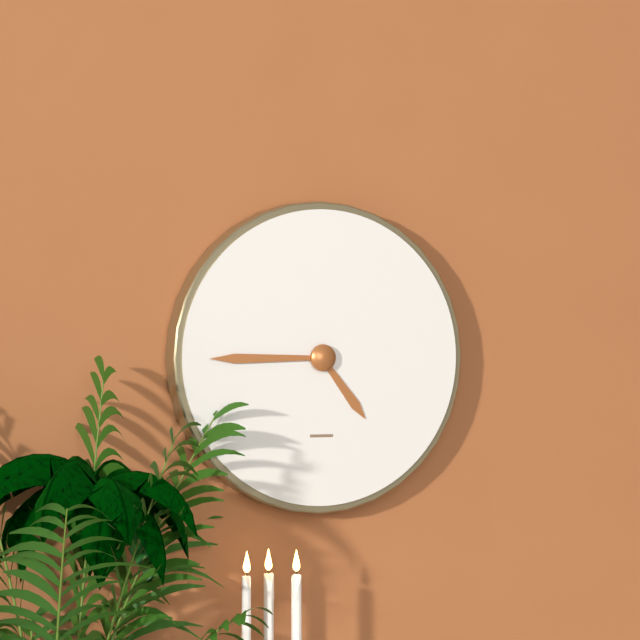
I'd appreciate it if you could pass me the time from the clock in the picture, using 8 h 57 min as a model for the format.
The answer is 4 h 45 min
